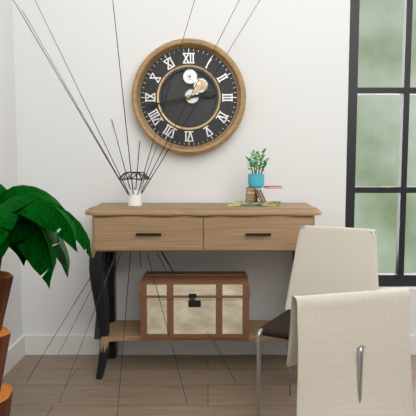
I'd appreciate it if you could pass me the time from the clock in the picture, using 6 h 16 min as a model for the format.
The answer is 2 h 43 min
